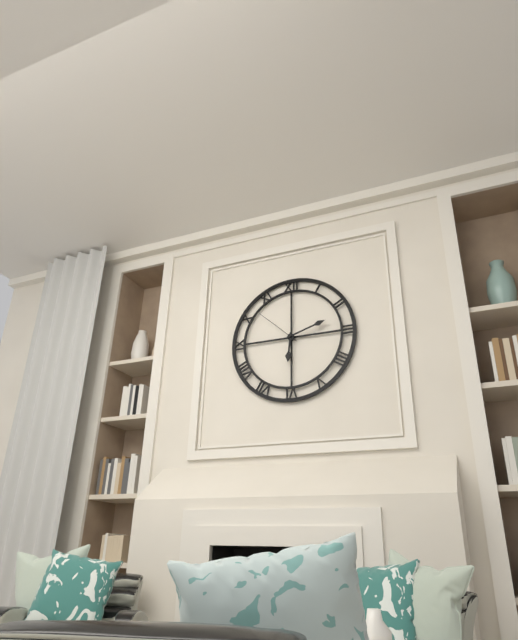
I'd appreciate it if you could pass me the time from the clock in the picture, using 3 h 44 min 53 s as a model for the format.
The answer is 6 h 12 min 52 s
